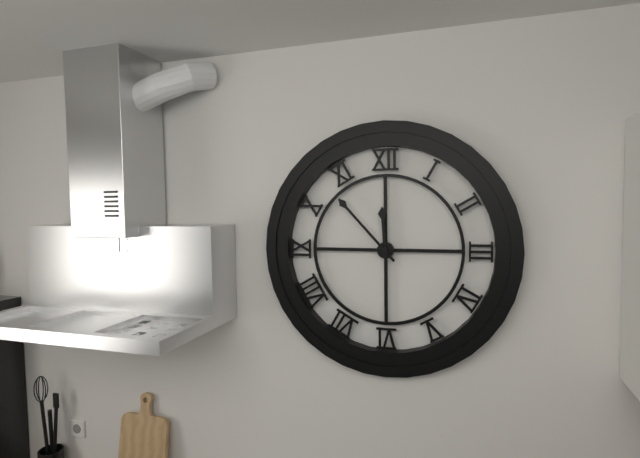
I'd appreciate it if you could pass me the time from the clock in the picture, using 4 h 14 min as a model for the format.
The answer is 11 h 53 min
